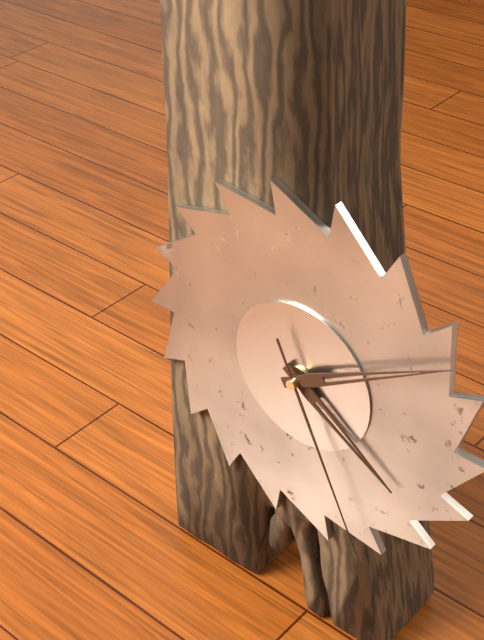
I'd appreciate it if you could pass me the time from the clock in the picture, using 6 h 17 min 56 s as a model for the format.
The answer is 4 h 10 min 26 s
